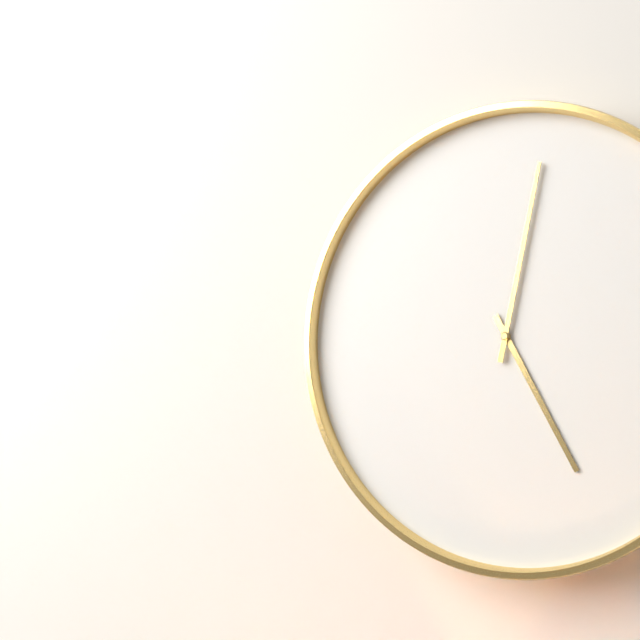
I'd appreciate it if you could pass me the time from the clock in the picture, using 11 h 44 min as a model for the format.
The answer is 5 h 02 min
